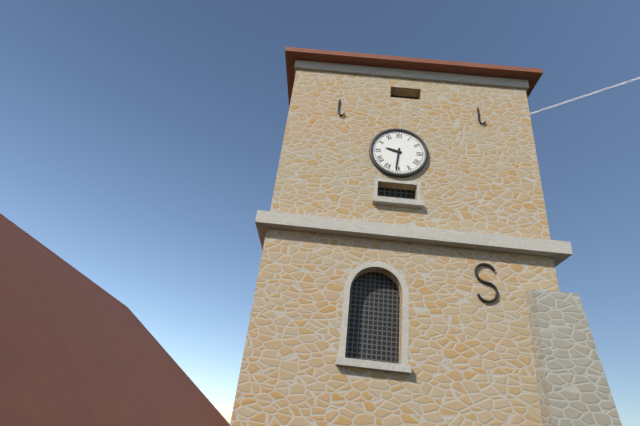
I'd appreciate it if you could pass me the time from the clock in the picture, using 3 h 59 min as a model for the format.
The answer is 9 h 31 min
